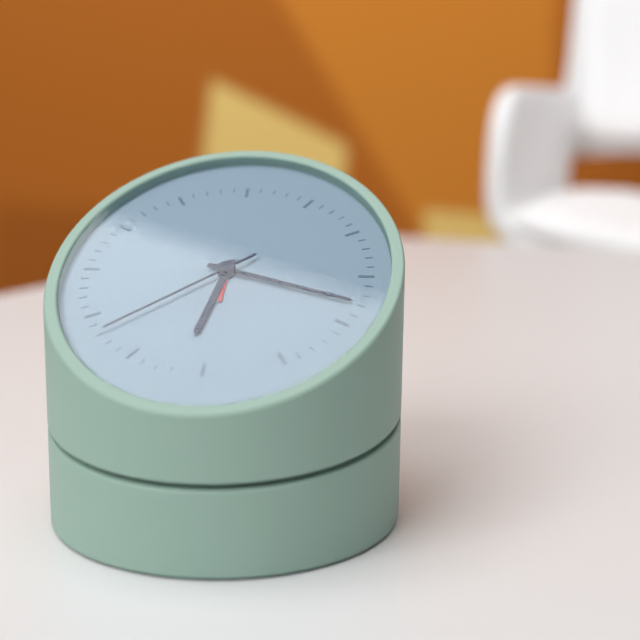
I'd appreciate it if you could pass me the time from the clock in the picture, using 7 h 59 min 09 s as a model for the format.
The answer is 6 h 18 min 38 s
